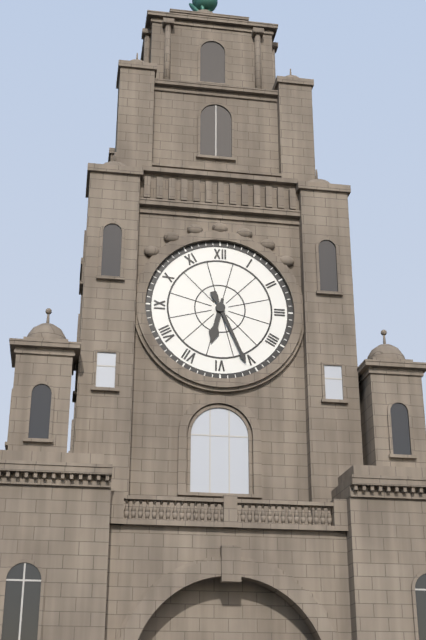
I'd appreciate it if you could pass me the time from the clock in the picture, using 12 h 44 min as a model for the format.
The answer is 6 h 26 min
